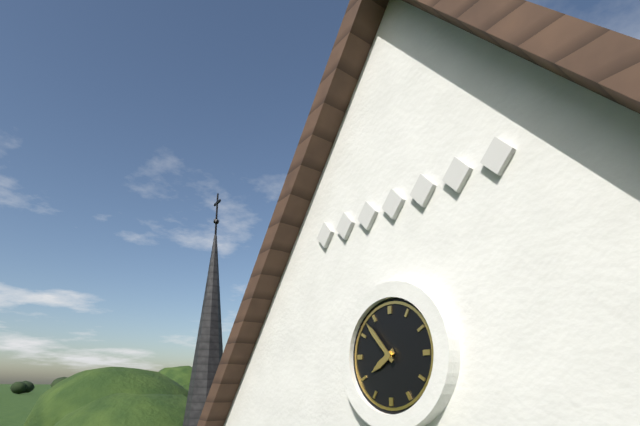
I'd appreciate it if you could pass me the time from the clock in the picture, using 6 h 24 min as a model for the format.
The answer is 7 h 53 min
